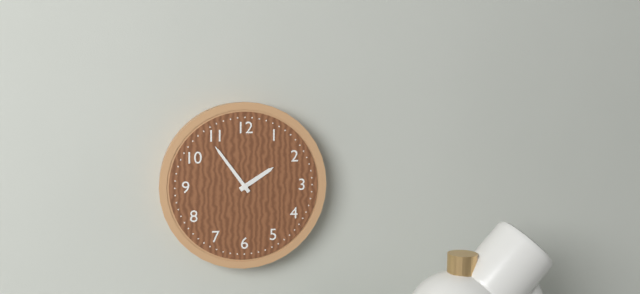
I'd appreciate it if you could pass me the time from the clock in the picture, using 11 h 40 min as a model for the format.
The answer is 1 h 54 min
